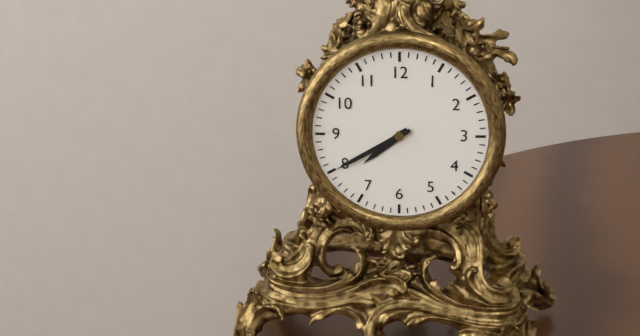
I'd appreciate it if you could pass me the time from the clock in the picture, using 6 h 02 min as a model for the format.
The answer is 7 h 40 min
